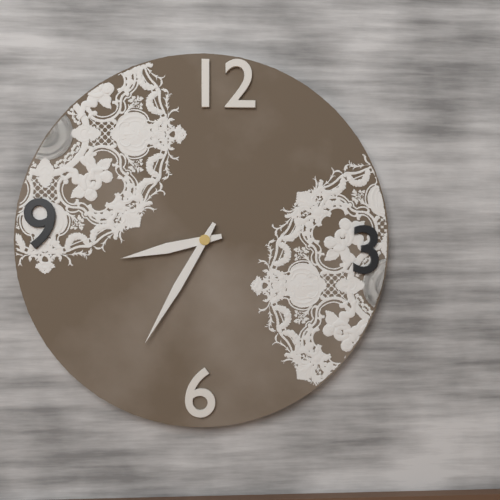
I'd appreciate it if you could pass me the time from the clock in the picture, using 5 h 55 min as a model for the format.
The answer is 8 h 35 min
